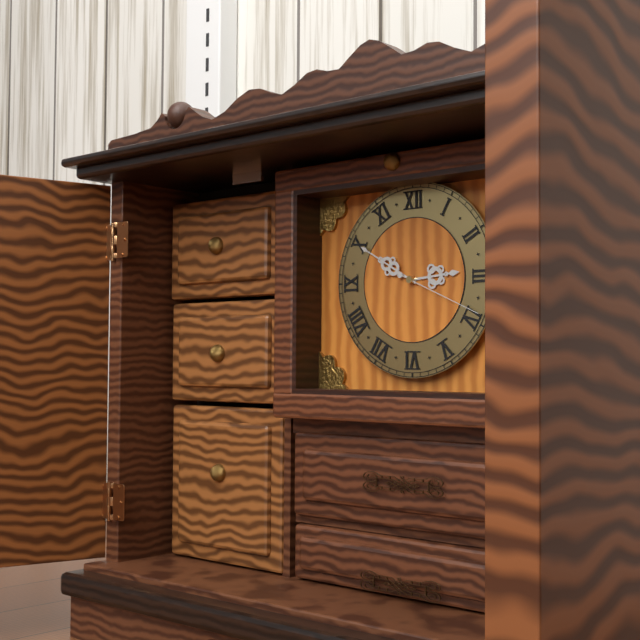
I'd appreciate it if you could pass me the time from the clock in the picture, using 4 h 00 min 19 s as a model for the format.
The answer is 2 h 50 min 19 s
